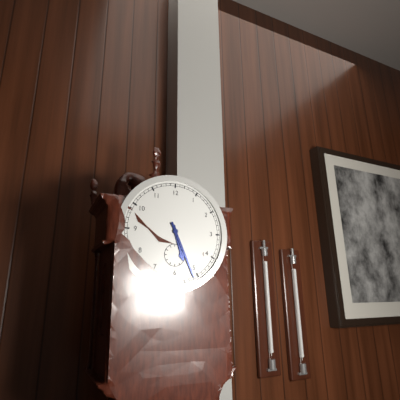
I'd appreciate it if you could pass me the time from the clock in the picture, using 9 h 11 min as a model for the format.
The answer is 5 h 26 min
